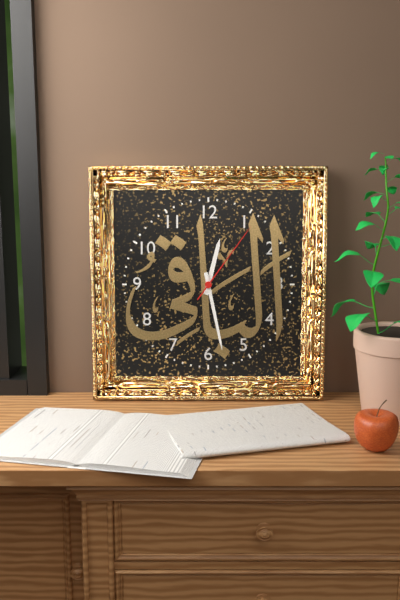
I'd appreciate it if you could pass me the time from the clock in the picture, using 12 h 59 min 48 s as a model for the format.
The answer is 12 h 28 min 06 s
